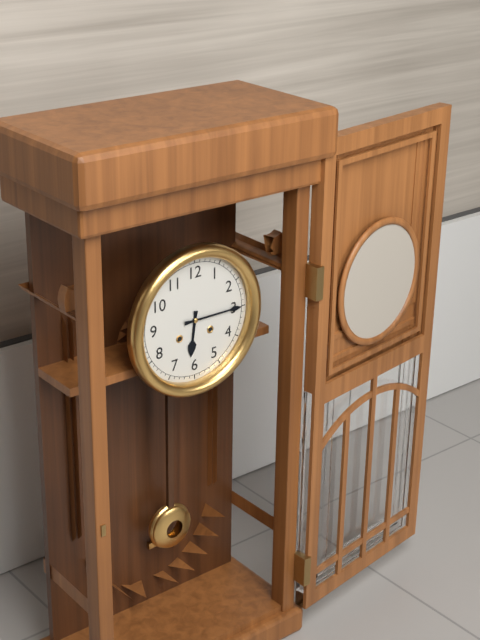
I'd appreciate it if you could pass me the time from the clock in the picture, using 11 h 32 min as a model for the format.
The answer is 6 h 15 min
